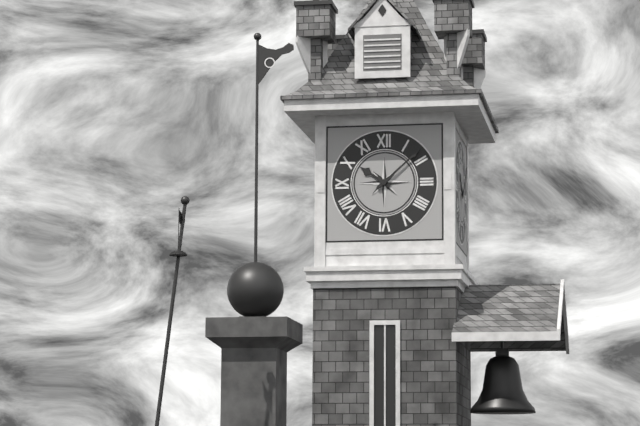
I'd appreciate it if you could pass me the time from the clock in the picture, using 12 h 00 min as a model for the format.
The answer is 10 h 08 min
